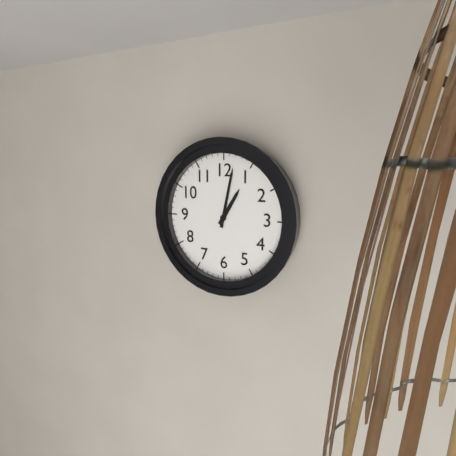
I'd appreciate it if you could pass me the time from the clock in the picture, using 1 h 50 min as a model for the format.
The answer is 1 h 02 min
